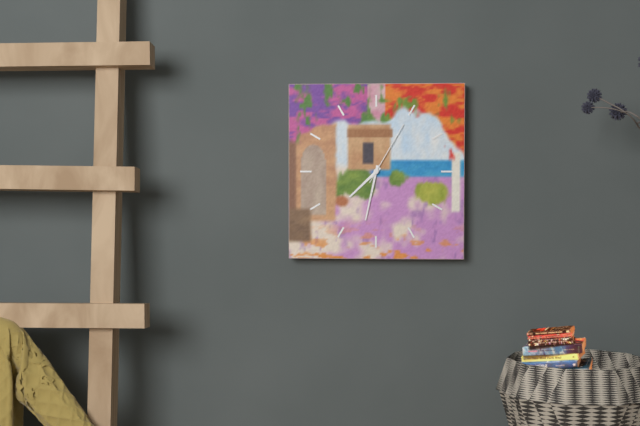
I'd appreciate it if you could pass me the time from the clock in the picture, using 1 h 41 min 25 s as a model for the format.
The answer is 7 h 32 min 05 s
